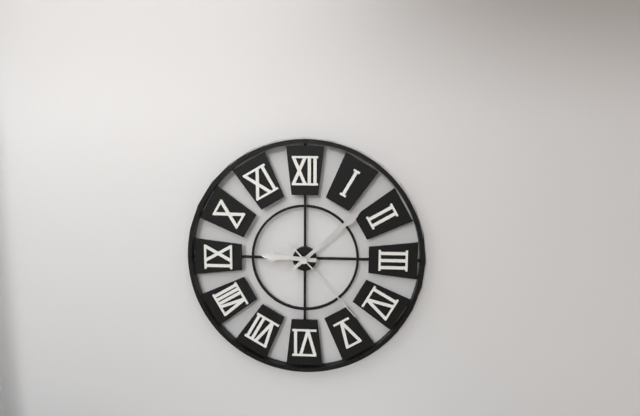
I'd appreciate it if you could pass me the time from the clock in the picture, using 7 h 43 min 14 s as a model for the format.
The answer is 9 h 08 min 23 s
